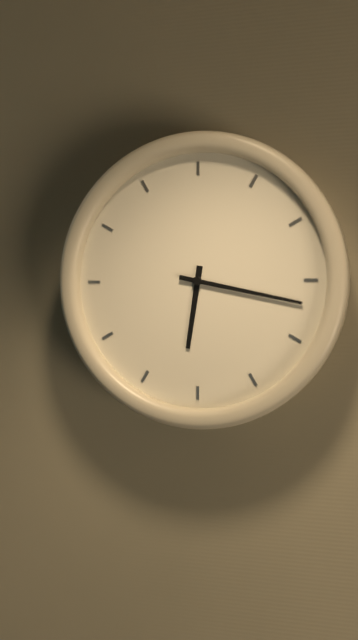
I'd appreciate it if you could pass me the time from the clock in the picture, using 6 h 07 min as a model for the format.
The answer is 6 h 17 min
